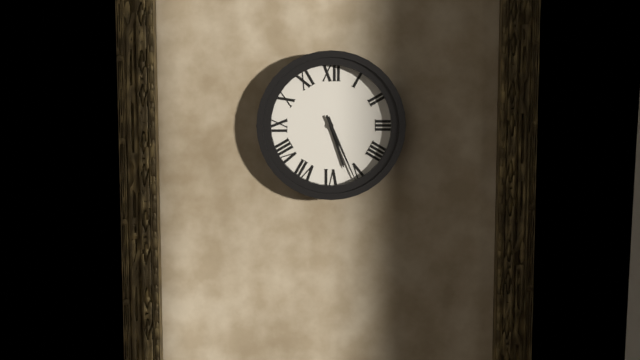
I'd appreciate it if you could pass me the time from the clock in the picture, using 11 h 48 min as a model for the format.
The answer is 5 h 26 min
